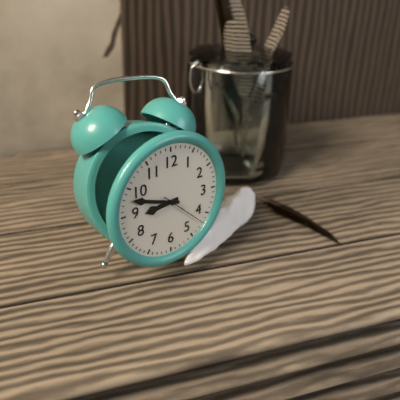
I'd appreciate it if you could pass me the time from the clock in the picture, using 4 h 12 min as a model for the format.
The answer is 8 h 48 min
